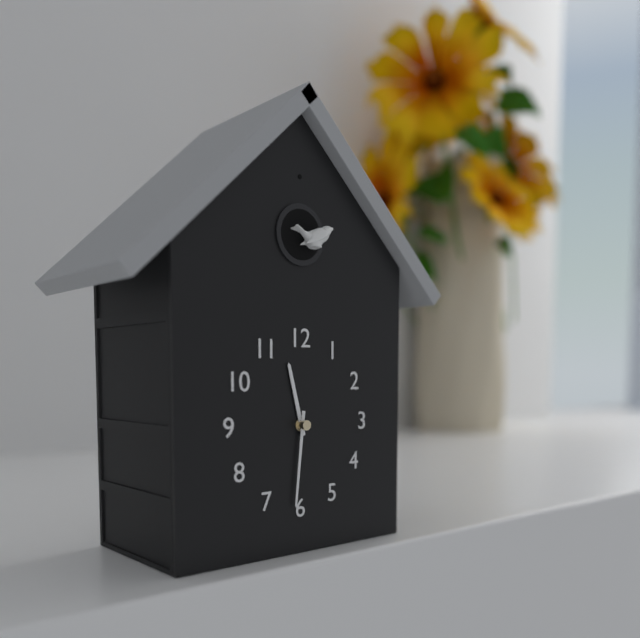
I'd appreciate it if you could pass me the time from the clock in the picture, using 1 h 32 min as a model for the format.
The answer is 11 h 31 min
